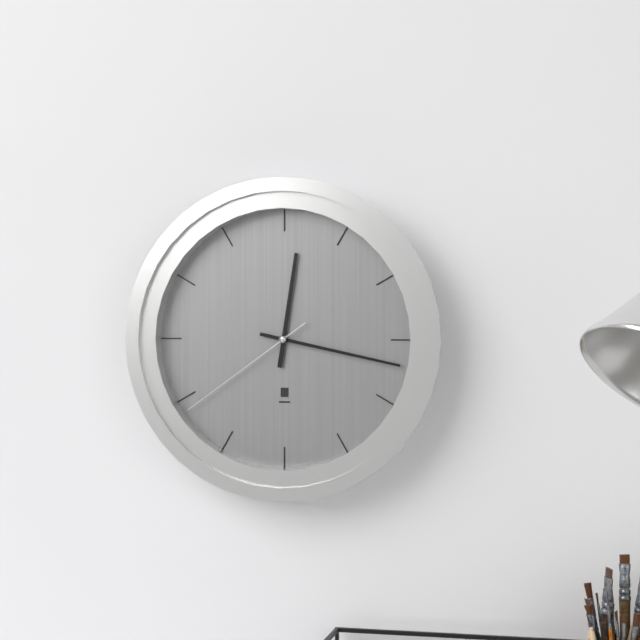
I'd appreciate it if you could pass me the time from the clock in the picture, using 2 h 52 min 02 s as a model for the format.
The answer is 12 h 17 min 39 s
